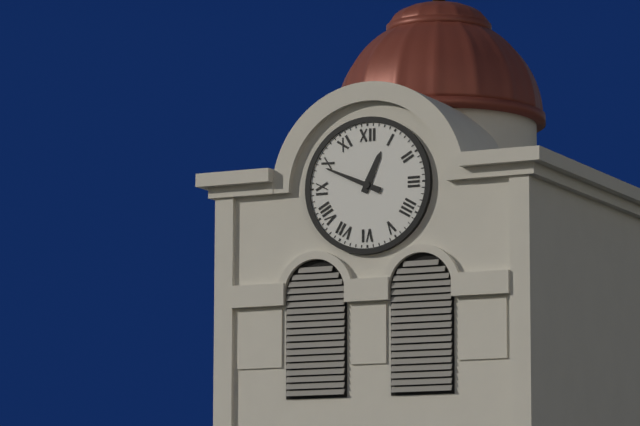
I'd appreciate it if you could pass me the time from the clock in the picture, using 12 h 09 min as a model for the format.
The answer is 12 h 49 min
